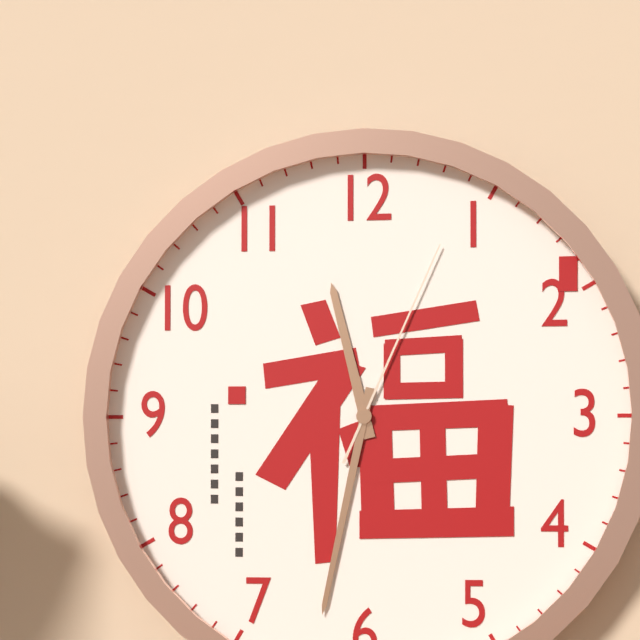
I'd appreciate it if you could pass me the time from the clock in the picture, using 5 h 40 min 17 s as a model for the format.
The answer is 11 h 32 min 04 s
